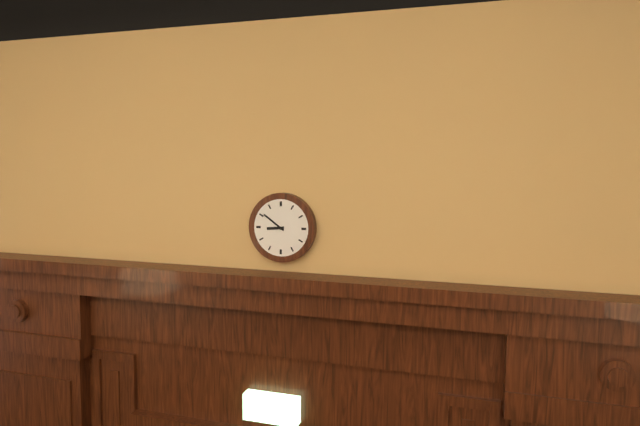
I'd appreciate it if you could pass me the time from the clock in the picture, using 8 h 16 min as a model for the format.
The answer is 8 h 51 min
